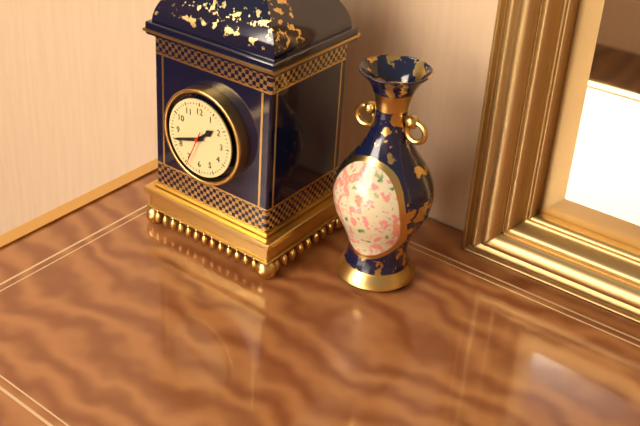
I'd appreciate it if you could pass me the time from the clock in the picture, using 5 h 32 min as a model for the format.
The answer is 1 h 42 min
